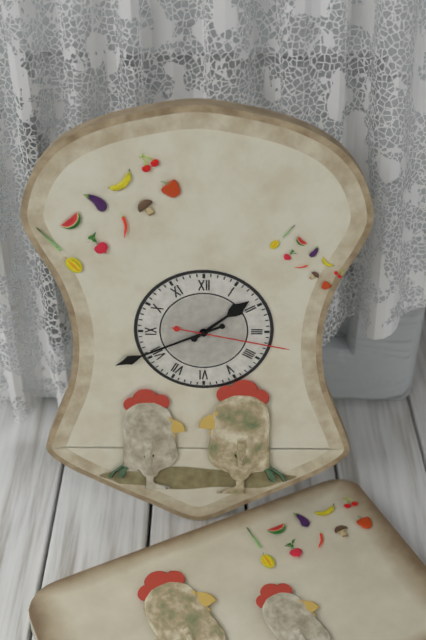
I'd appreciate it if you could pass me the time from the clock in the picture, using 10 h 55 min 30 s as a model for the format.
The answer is 1 h 41 min 17 s
